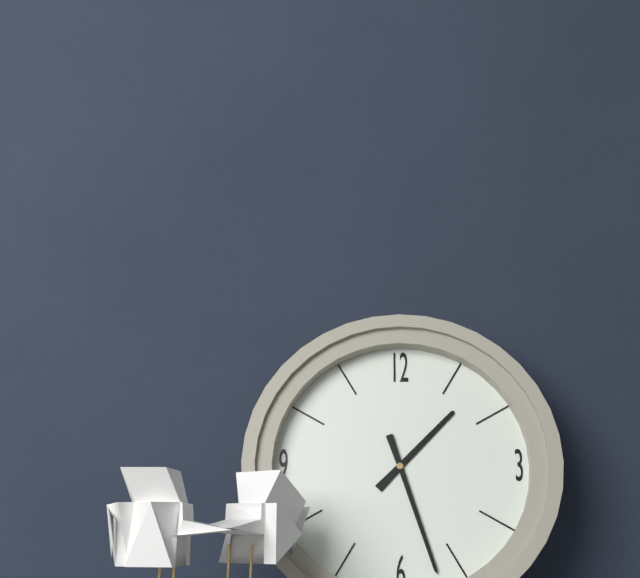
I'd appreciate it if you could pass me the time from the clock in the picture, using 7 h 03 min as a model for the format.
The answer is 1 h 27 min
